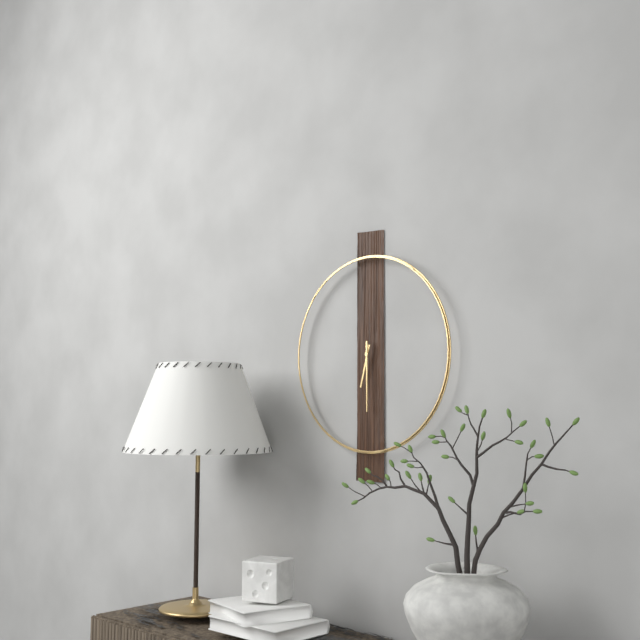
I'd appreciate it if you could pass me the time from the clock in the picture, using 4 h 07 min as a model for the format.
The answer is 6 h 30 min
